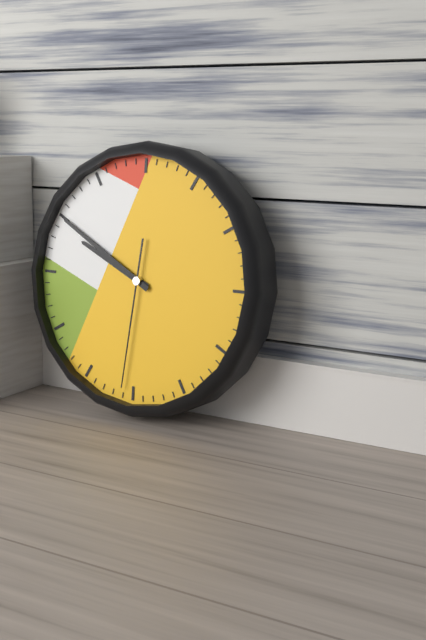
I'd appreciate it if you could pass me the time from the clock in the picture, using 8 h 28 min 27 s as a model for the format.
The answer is 9 h 50 min 31 s
